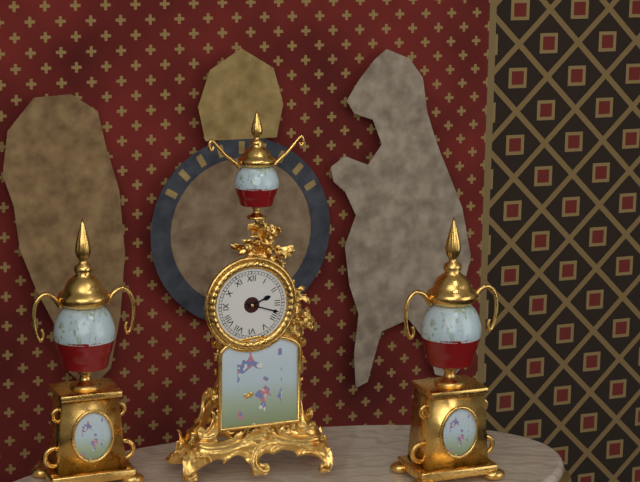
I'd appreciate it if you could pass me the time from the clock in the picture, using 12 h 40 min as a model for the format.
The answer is 2 h 18 min
